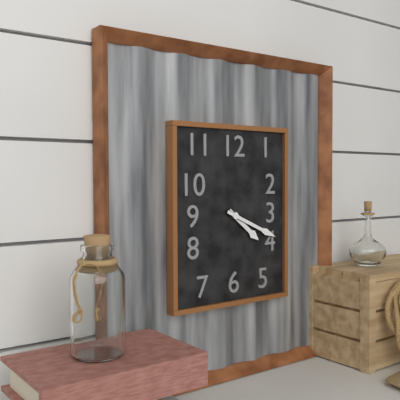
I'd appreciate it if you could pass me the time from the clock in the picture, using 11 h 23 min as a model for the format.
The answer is 4 h 19 min
